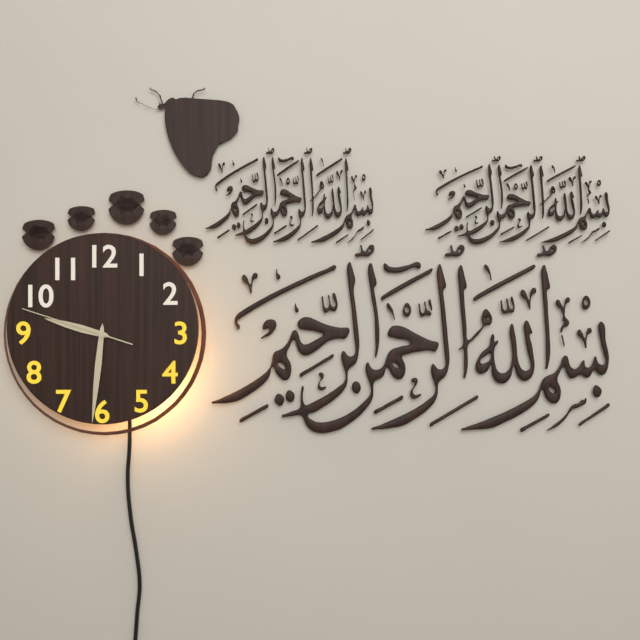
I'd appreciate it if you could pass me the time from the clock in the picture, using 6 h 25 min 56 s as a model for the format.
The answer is 9 h 31 min 48 s
